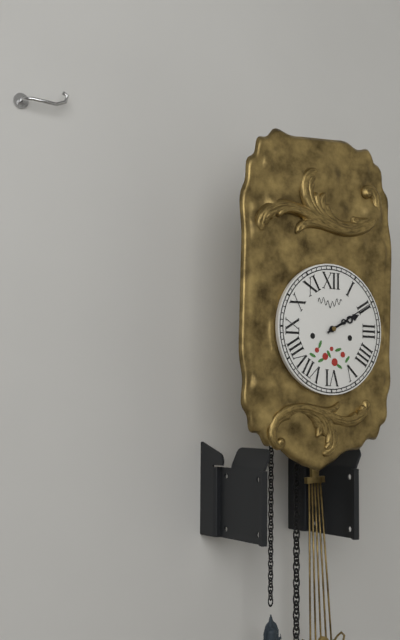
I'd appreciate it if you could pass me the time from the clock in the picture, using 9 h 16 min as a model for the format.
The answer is 2 h 10 min
